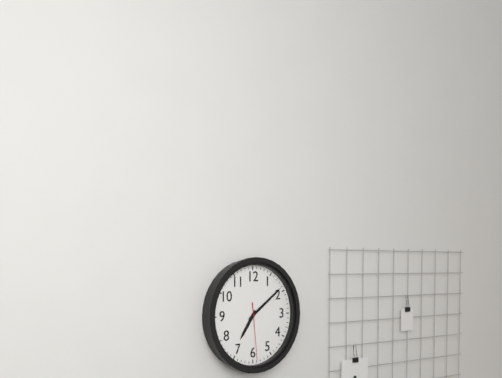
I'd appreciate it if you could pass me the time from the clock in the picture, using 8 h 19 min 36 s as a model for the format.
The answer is 7 h 09 min 29 s
